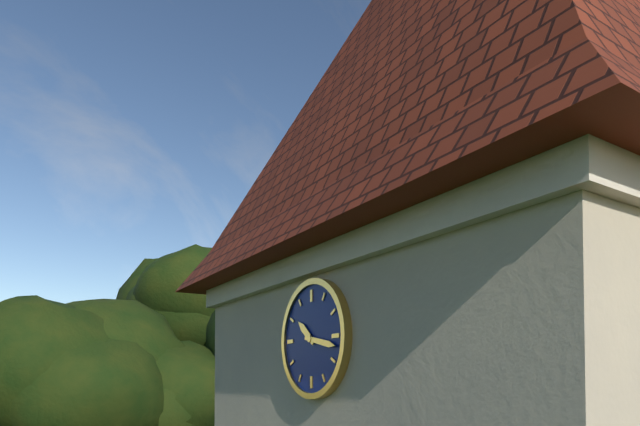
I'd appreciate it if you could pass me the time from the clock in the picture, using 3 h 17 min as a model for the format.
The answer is 10 h 17 min
